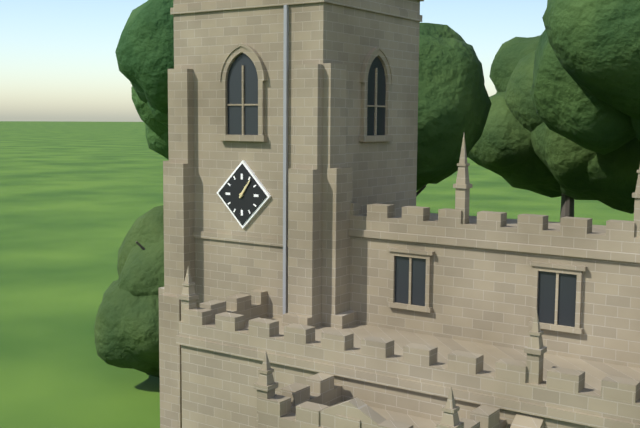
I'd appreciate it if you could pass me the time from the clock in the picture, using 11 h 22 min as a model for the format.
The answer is 1 h 06 min
